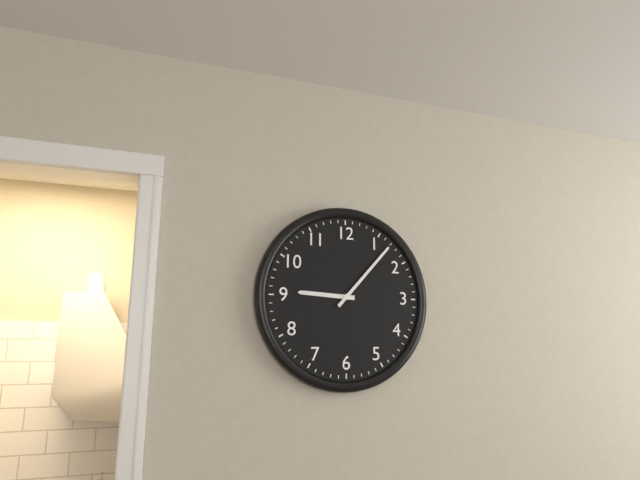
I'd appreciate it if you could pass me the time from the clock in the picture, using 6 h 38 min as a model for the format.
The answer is 9 h 07 min
